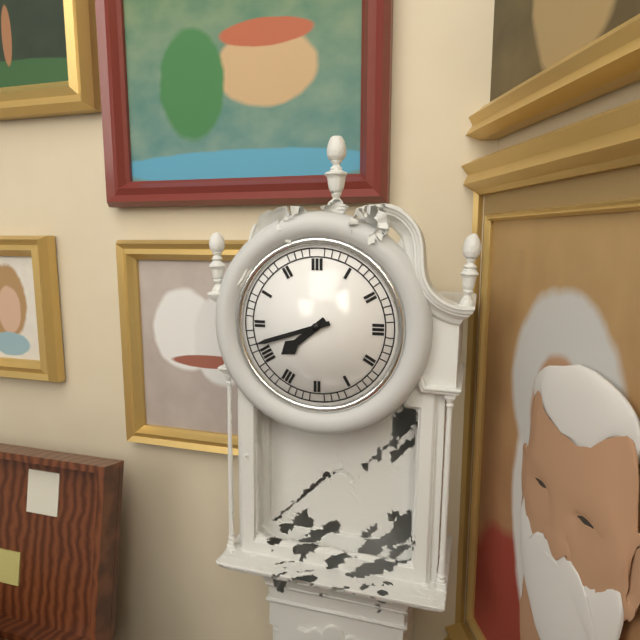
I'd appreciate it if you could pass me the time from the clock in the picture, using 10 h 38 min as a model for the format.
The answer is 7 h 42 min
